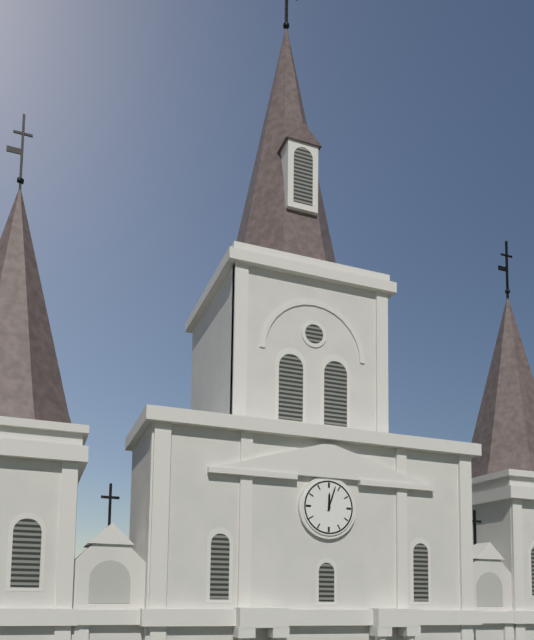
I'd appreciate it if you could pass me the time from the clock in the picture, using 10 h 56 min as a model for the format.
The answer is 12 h 03 min
